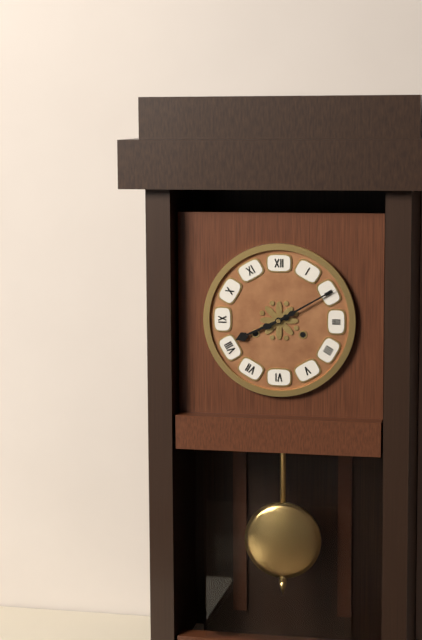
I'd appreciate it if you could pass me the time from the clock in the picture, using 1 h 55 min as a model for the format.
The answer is 8 h 10 min
